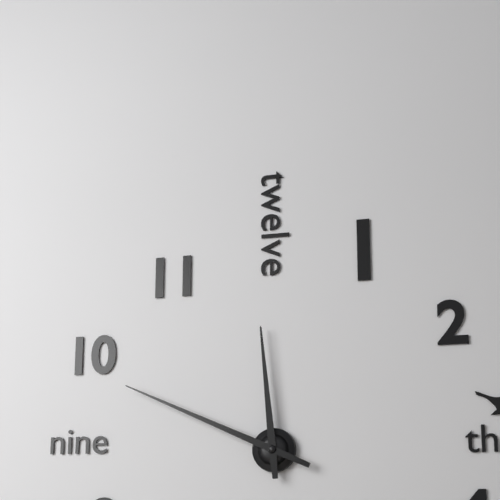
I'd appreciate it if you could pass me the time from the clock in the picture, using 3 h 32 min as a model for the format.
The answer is 11 h 49 min
